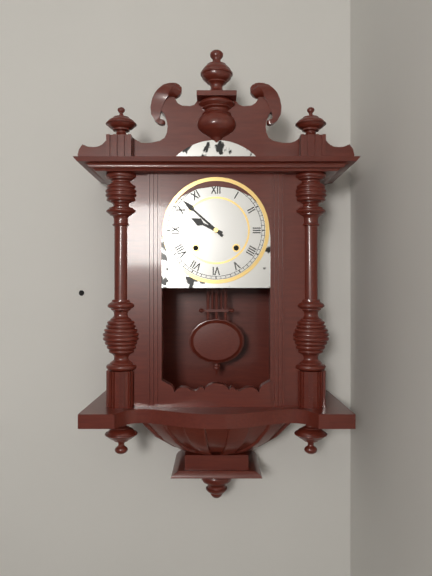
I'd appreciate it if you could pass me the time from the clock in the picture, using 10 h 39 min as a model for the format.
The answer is 9 h 52 min
